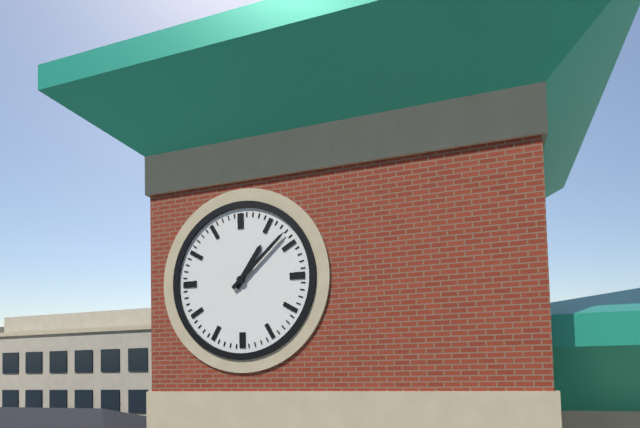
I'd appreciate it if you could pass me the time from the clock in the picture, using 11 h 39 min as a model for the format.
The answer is 1 h 08 min
